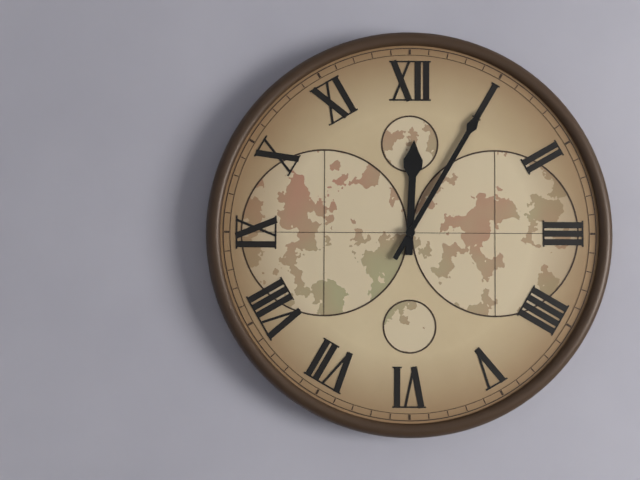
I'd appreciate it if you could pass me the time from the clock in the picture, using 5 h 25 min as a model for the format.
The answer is 12 h 05 min
